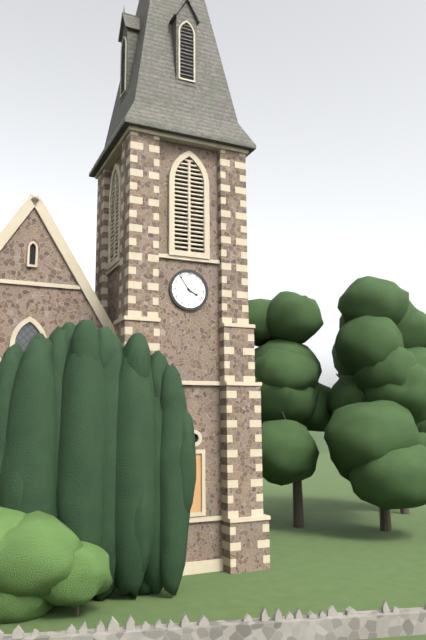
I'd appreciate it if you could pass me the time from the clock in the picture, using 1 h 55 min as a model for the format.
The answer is 3 h 54 min
